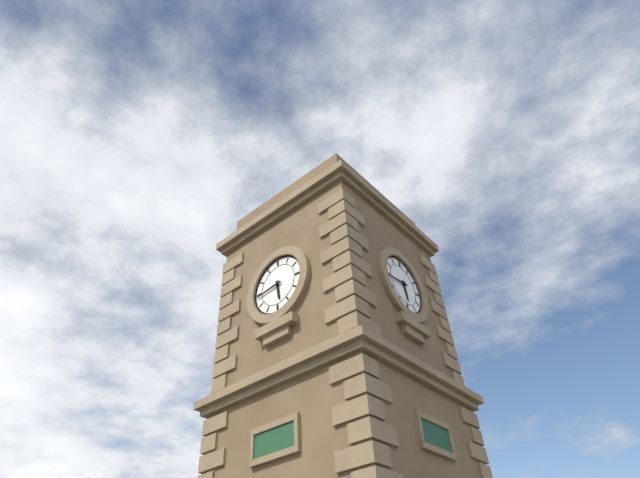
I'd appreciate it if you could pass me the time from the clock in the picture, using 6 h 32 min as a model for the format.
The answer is 5 h 44 min
